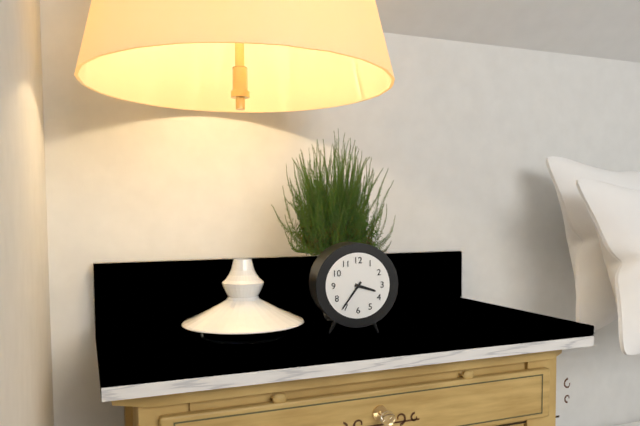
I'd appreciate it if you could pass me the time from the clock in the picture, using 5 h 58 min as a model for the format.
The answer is 3 h 36 min
